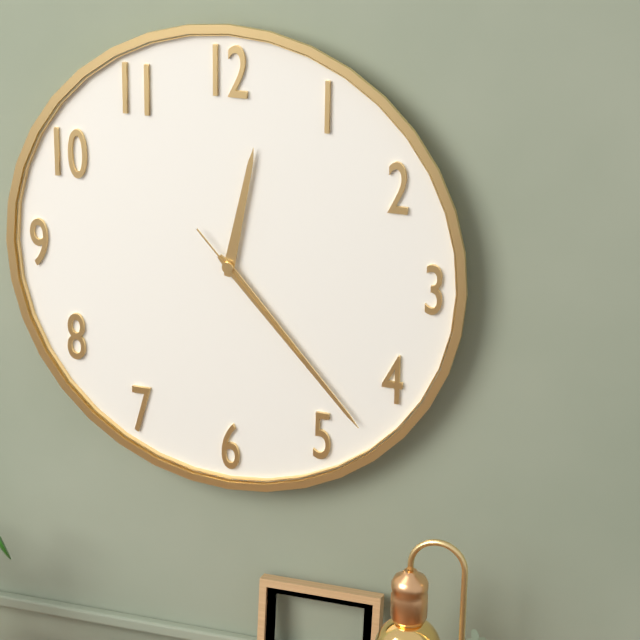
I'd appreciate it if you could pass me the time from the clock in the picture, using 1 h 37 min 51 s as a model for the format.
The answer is 12 h 23 min 23 s
